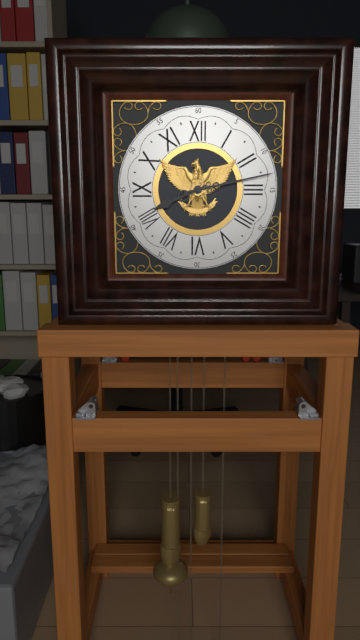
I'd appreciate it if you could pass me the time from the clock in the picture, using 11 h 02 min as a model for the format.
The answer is 8 h 13 min
